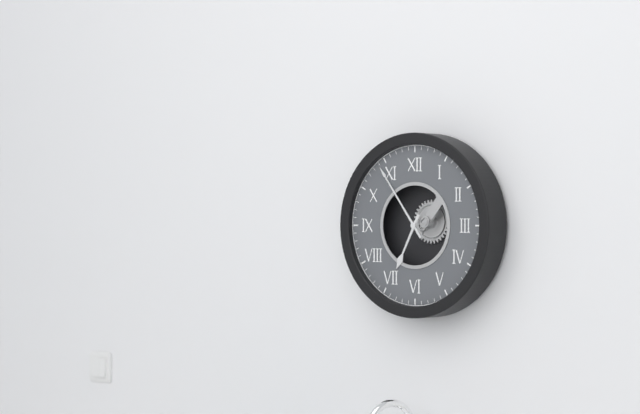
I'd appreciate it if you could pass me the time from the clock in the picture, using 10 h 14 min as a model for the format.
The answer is 6 h 54 min
